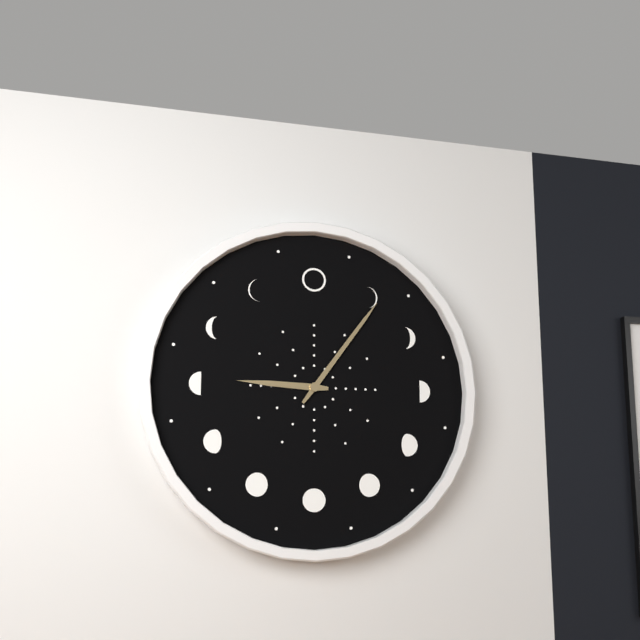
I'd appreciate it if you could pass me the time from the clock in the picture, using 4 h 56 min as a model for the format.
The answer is 9 h 06 min
